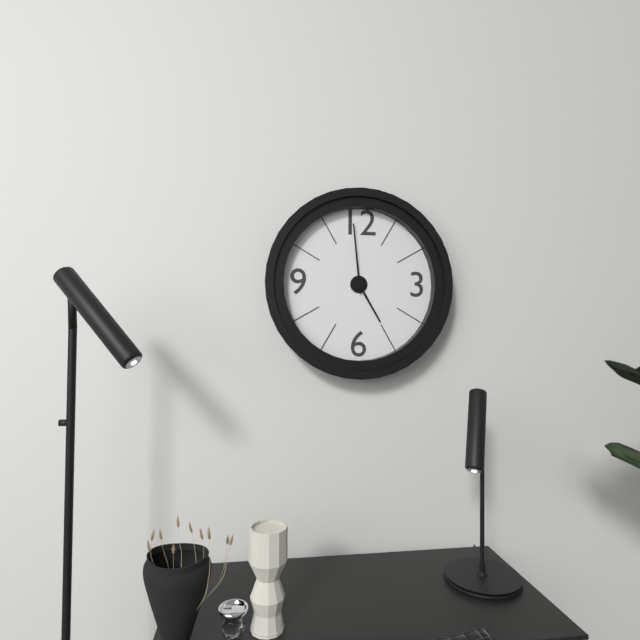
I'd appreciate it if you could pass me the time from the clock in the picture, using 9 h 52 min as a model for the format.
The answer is 4 h 59 min
